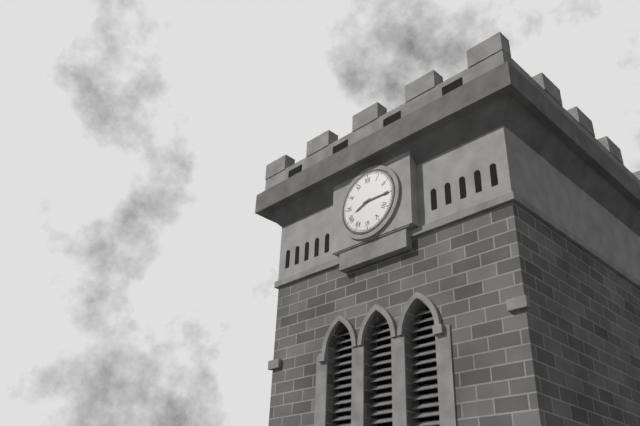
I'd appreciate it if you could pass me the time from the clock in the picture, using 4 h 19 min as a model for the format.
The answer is 8 h 15 min
